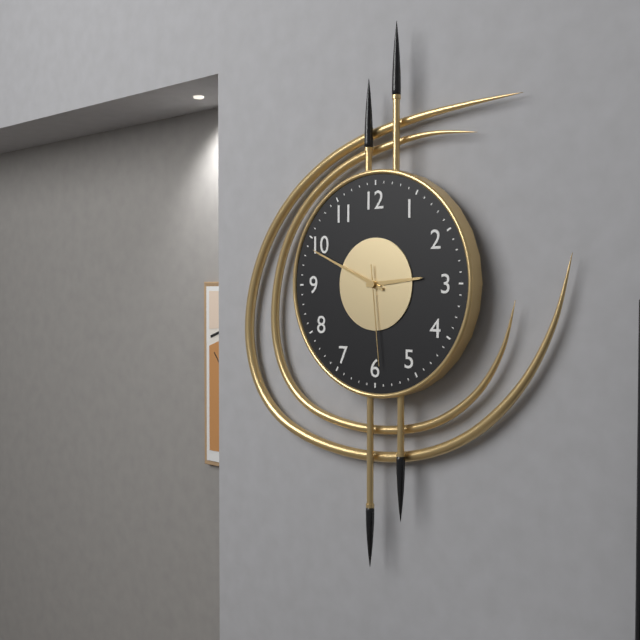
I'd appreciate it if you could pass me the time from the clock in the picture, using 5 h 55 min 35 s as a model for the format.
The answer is 2 h 49 min 29 s
